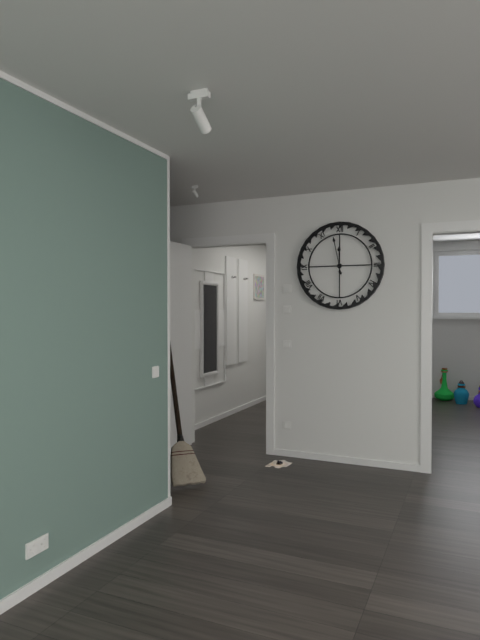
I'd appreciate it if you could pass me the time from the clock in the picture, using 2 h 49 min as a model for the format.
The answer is 11 h 58 min
